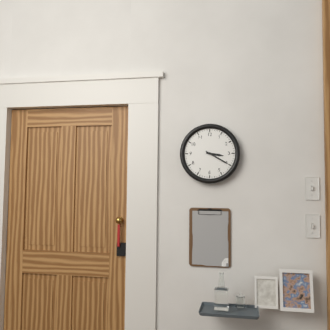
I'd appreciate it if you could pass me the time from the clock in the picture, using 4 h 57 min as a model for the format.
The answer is 3 h 20 min
